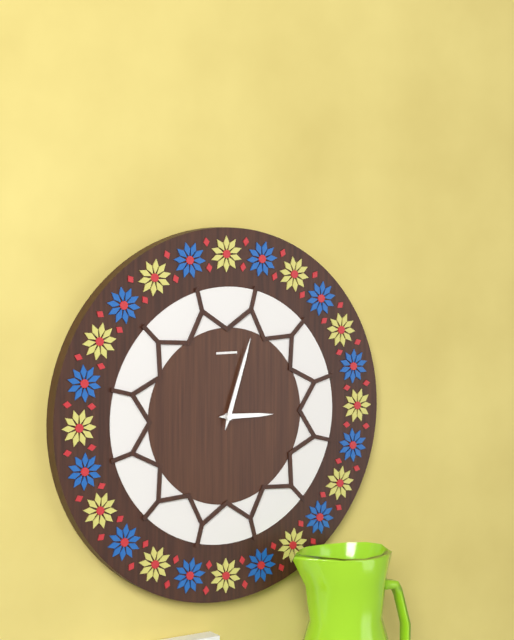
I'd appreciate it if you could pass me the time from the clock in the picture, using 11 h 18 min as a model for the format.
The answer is 3 h 03 min
